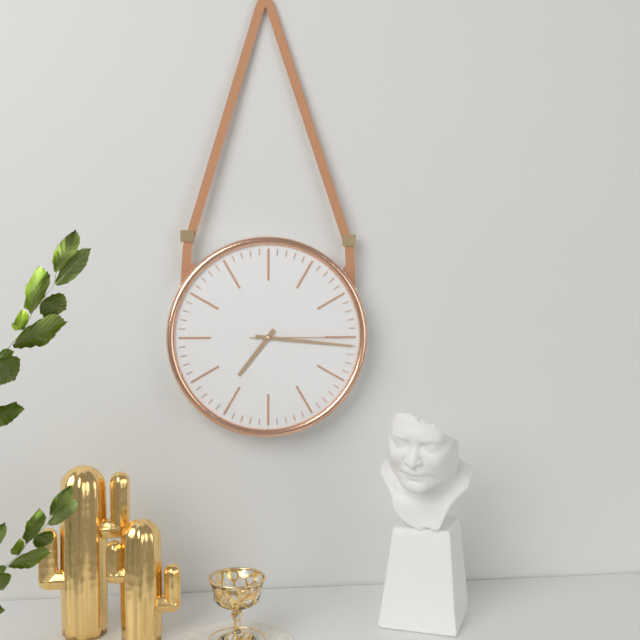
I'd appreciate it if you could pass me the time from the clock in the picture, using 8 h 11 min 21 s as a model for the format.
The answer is 7 h 16 min 15 s
